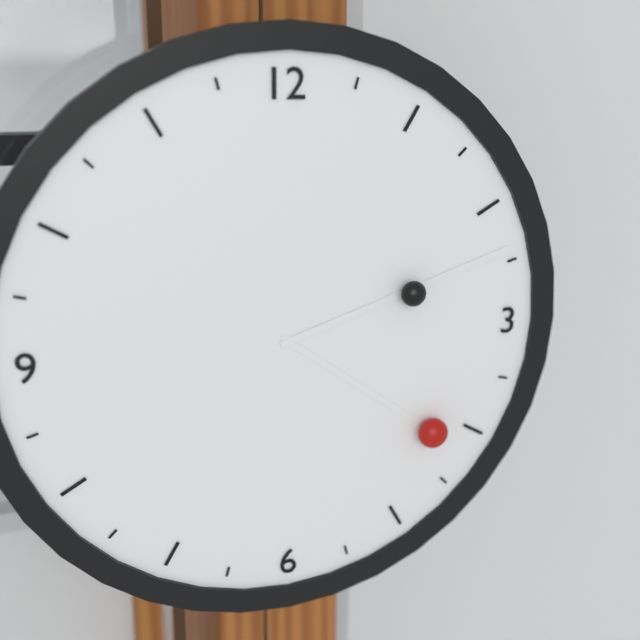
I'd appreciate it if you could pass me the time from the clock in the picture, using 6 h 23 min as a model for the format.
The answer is 4 h 12 min
